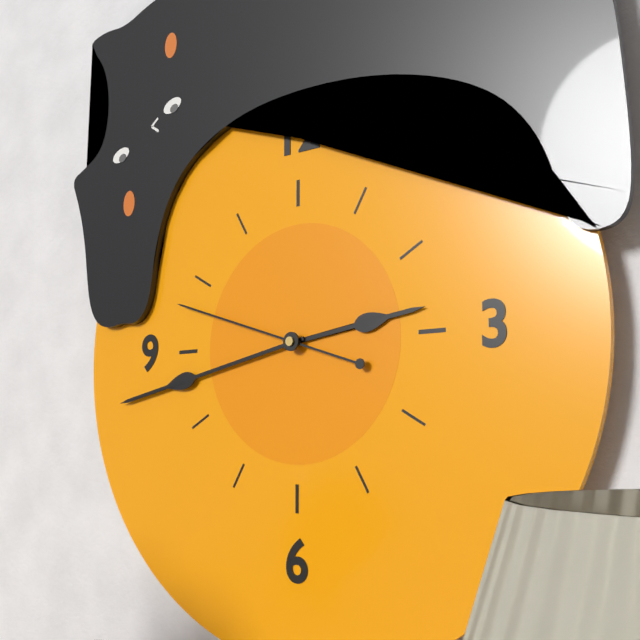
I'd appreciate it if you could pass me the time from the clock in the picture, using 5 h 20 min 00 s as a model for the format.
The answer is 2 h 43 min 48 s
